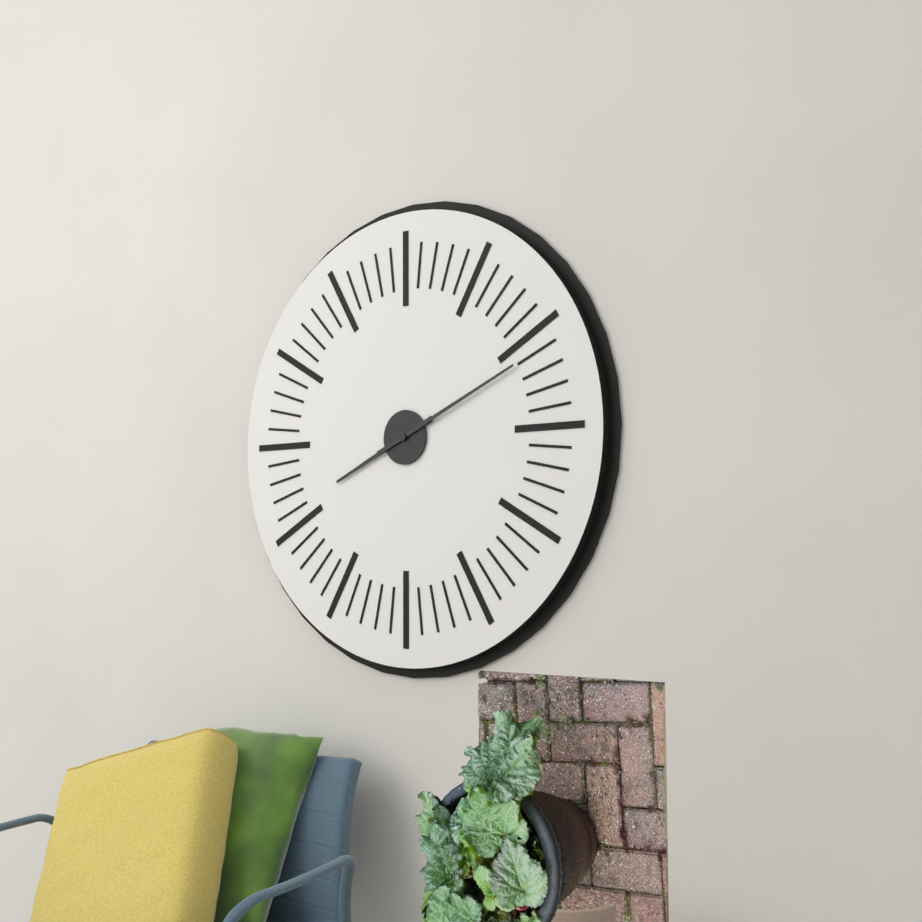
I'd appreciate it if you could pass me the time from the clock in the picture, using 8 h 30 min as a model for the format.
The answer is 8 h 11 min
